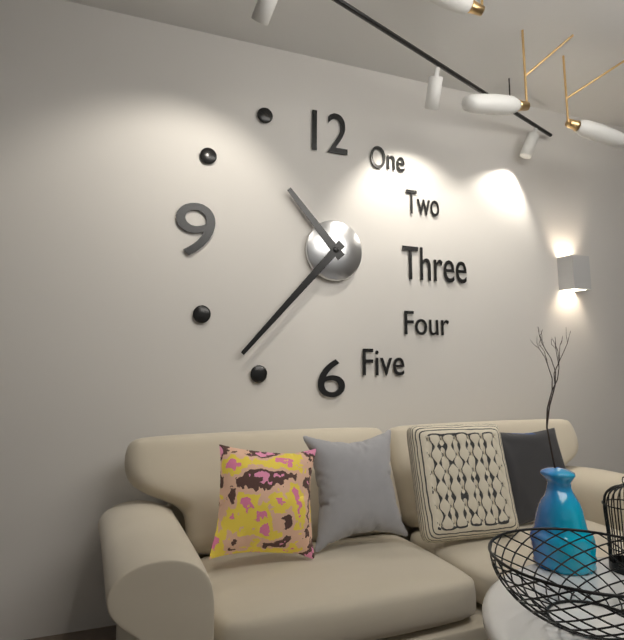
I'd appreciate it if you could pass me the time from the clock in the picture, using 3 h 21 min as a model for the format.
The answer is 10 h 37 min
